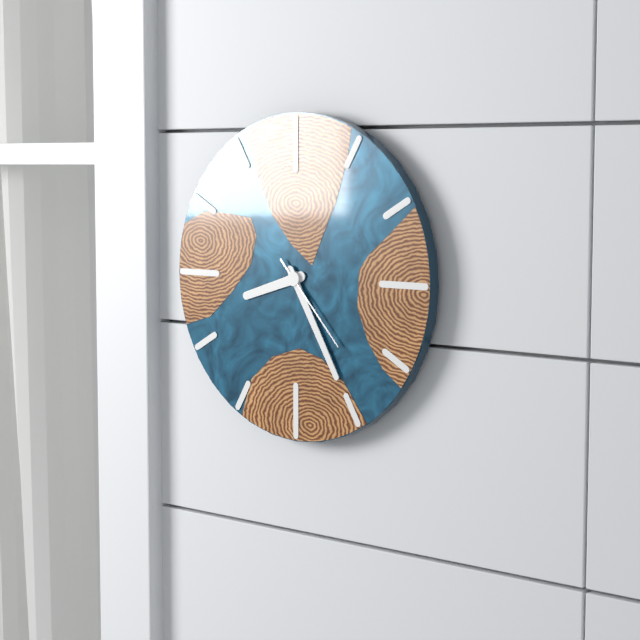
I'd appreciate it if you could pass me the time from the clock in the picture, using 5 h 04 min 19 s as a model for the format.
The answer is 8 h 25 min 23 s
